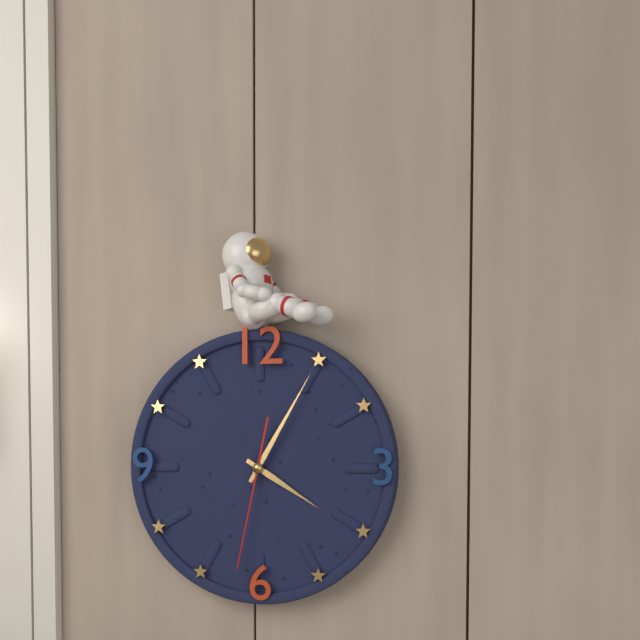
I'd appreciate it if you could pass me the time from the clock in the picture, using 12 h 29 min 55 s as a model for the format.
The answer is 4 h 05 min 32 s
